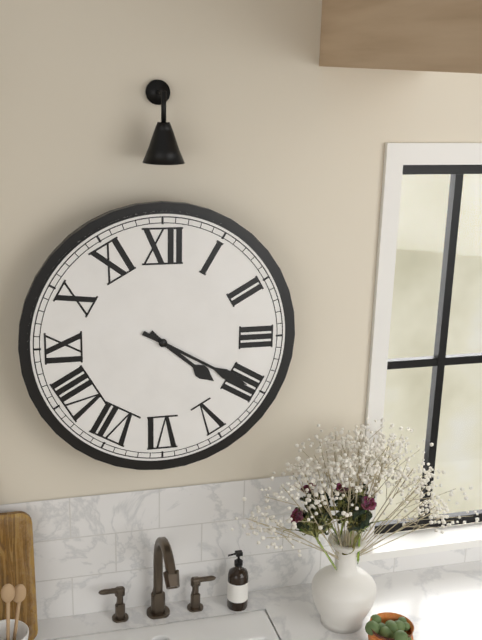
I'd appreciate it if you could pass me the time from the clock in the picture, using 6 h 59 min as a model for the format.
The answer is 4 h 20 min
